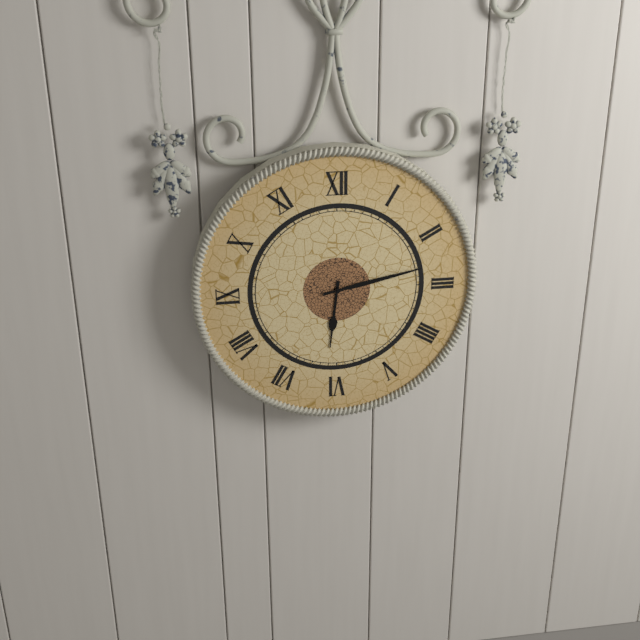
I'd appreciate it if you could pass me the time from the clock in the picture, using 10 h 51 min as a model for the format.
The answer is 6 h 13 min
